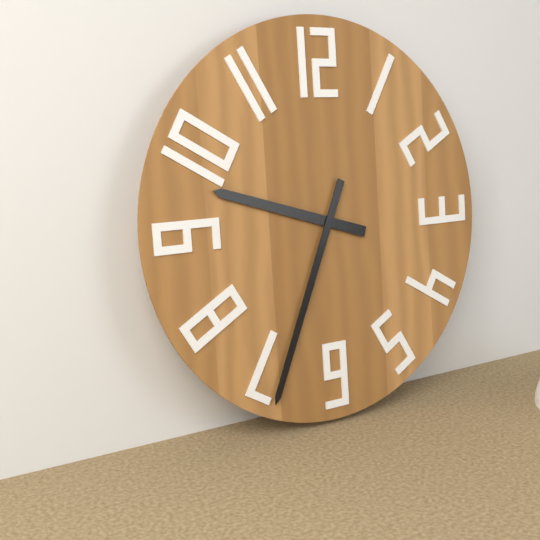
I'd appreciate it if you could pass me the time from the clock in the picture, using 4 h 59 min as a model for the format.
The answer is 9 h 34 min
